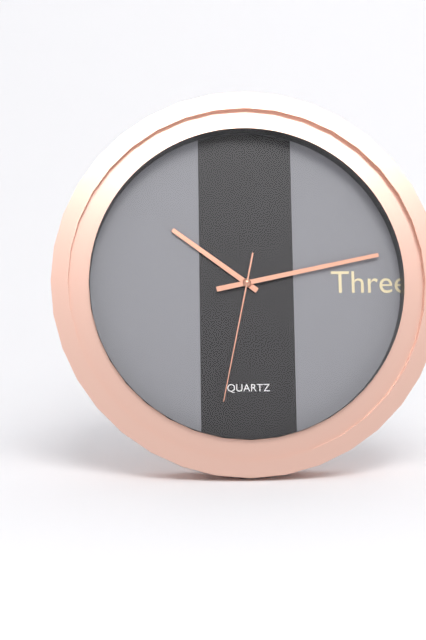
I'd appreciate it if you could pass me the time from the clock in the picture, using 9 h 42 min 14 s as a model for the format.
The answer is 10 h 13 min 32 s
